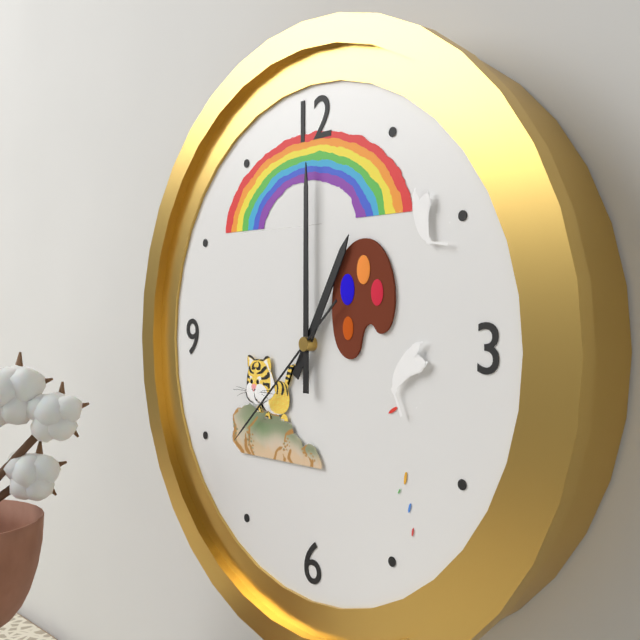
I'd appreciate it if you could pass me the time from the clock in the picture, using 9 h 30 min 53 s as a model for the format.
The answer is 1 h 00 min 38 s
